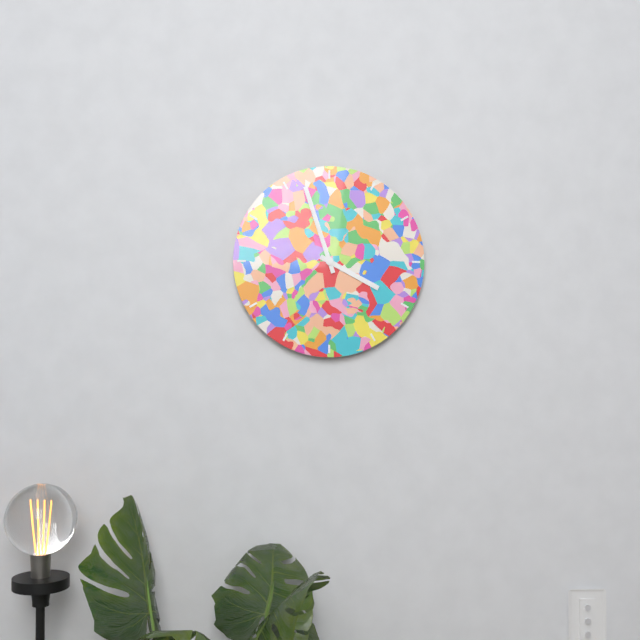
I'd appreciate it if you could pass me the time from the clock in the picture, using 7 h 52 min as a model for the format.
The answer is 3 h 57 min
